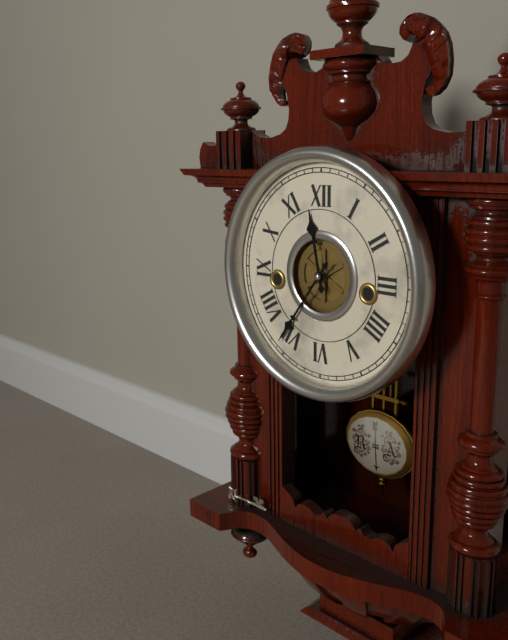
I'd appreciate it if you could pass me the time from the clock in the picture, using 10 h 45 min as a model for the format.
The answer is 11 h 36 min
